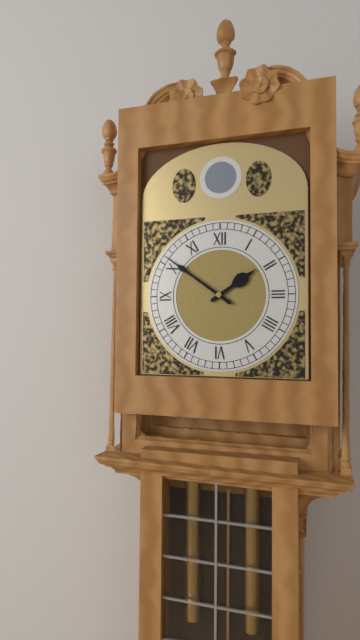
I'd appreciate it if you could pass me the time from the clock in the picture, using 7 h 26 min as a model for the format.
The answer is 1 h 51 min
